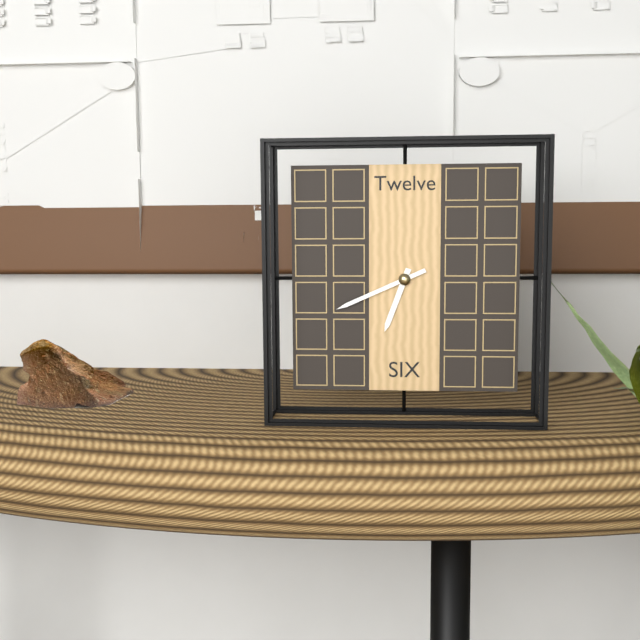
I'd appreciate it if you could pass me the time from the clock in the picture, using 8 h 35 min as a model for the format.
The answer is 6 h 41 min
